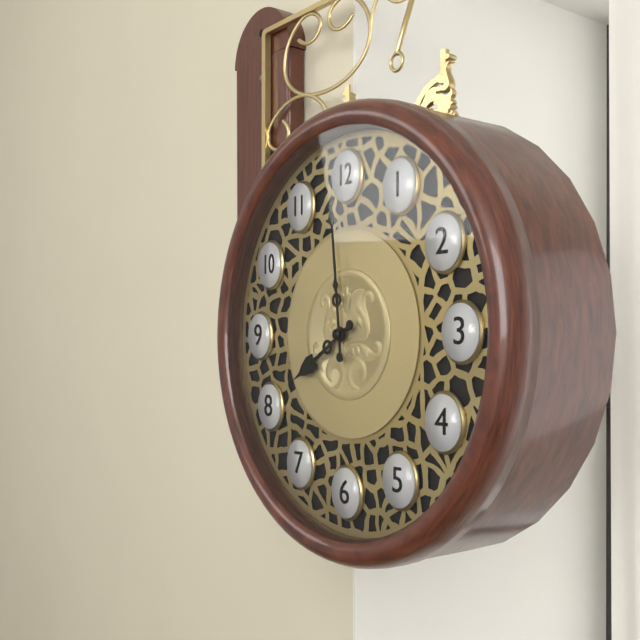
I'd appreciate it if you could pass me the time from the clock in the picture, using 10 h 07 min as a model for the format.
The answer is 7 h 59 min
